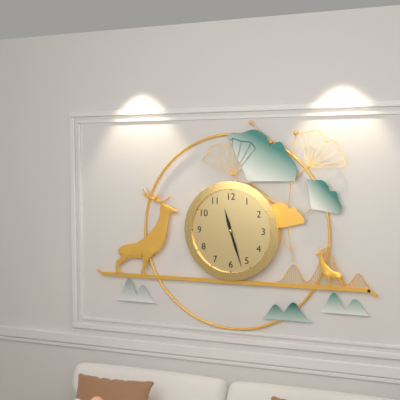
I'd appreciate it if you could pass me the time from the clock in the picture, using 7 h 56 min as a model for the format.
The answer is 11 h 27 min
